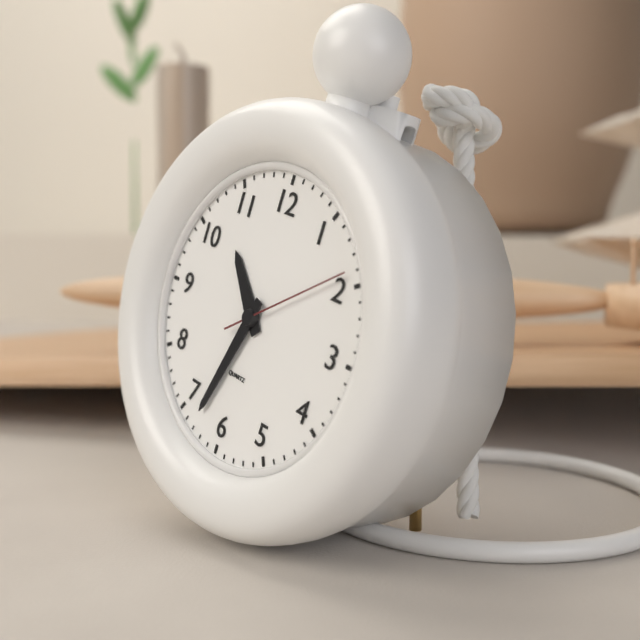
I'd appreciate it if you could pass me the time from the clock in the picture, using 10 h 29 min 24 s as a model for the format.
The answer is 10 h 33 min 09 s
